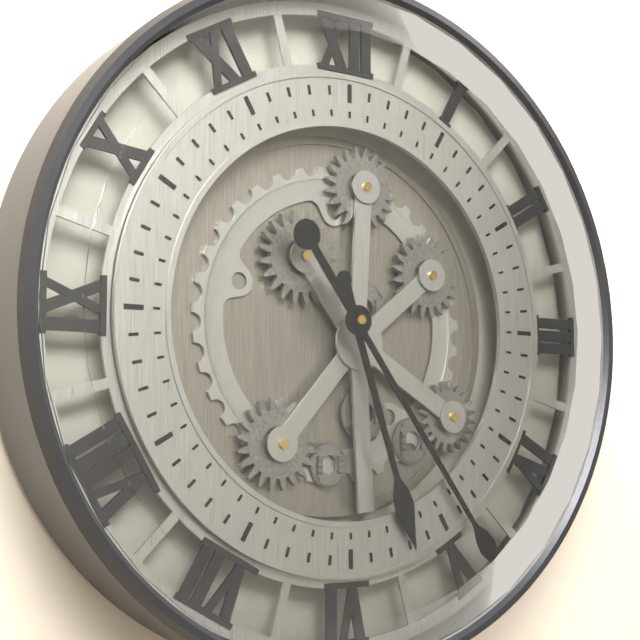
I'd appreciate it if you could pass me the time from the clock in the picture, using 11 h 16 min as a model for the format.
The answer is 5 h 24 min
